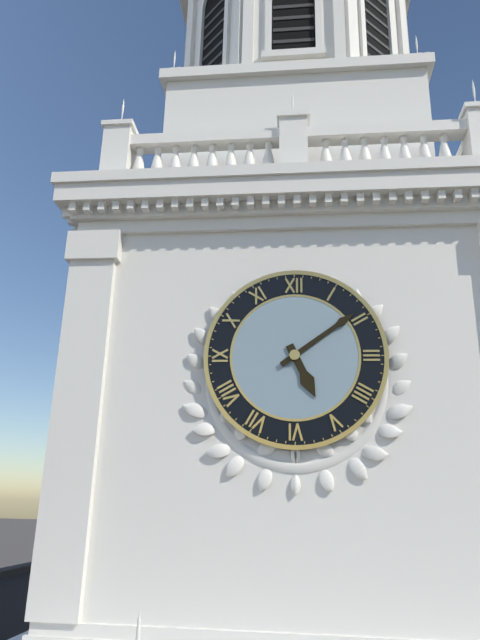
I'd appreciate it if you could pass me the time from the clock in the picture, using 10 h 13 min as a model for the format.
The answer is 5 h 09 min
